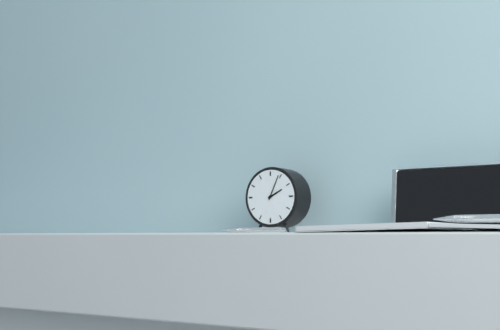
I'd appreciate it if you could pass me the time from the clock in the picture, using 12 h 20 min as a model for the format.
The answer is 2 h 04 min
